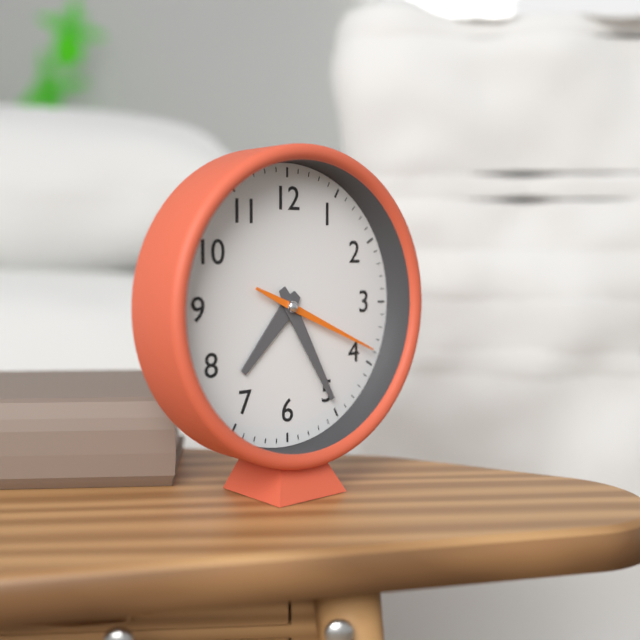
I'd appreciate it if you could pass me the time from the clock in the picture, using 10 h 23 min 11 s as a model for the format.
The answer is 7 h 25 min 19 s
